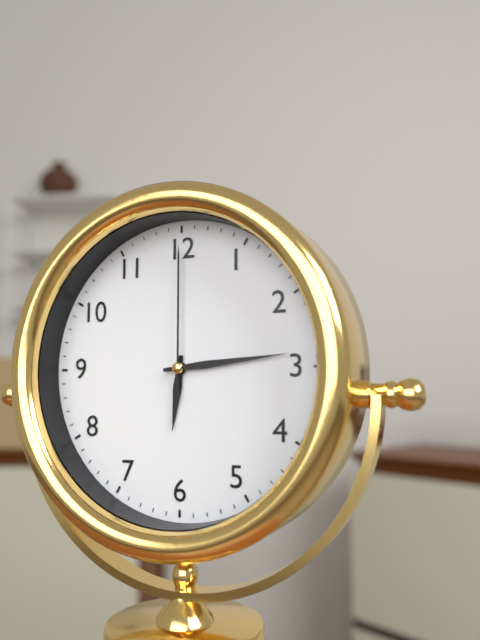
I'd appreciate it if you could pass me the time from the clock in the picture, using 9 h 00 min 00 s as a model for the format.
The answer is 6 h 14 min 00 s
